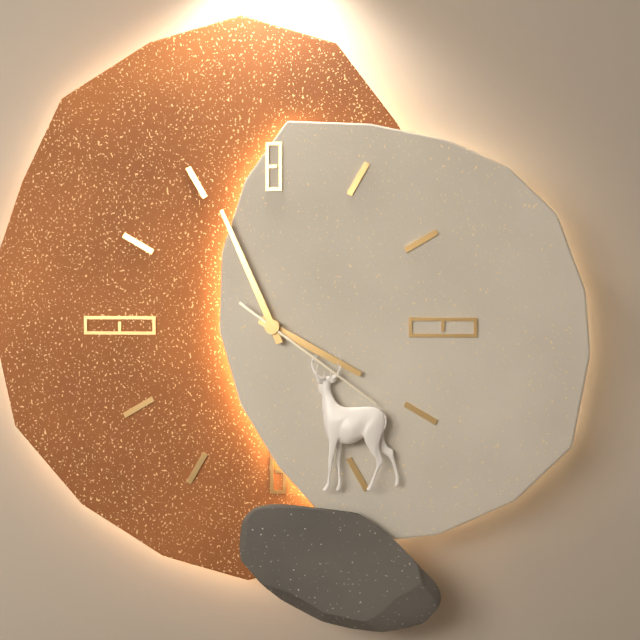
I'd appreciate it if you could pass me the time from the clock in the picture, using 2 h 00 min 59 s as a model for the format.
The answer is 3 h 56 min 21 s
